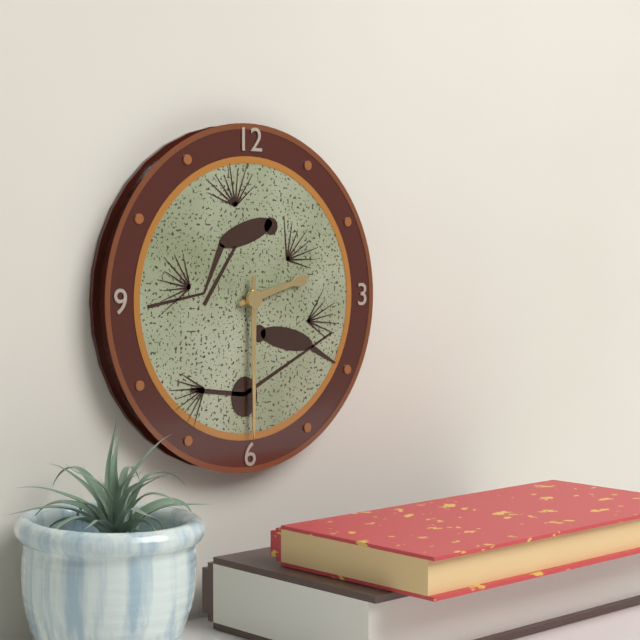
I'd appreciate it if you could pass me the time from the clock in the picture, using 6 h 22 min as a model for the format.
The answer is 2 h 30 min
